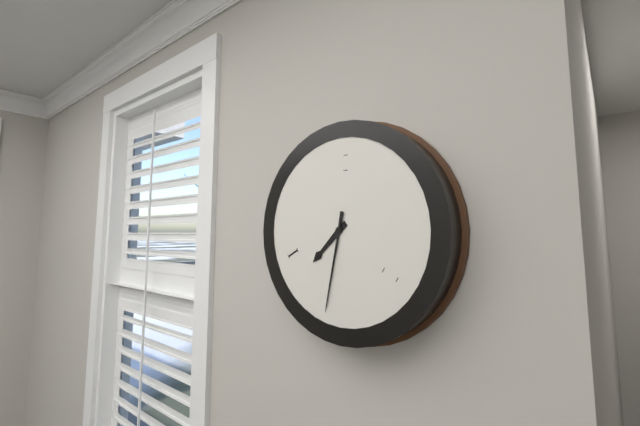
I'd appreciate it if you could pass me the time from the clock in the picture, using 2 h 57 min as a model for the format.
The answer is 7 h 32 min
